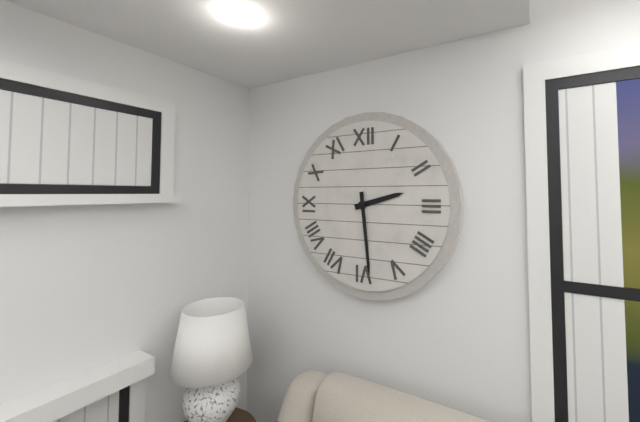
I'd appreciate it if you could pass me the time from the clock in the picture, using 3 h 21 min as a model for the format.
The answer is 2 h 29 min
